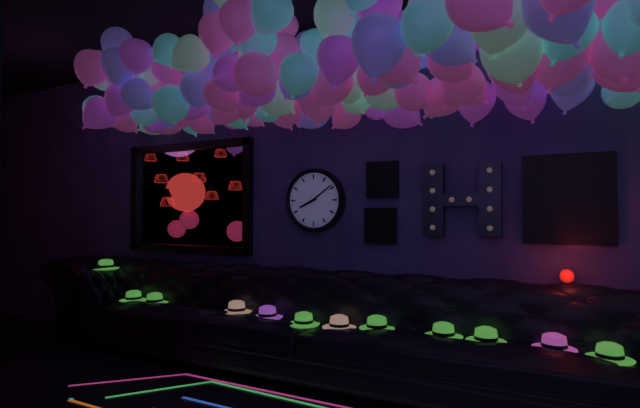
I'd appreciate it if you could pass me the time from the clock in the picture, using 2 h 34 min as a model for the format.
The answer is 8 h 09 min
